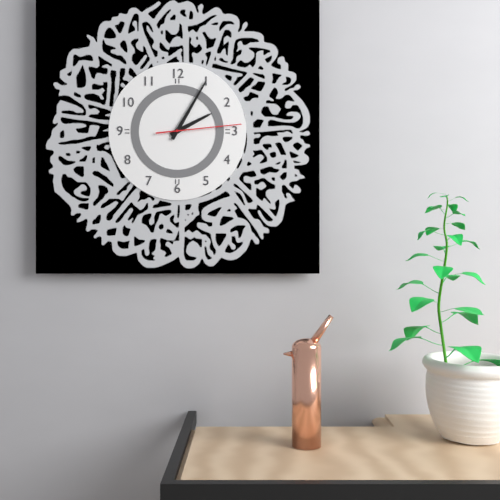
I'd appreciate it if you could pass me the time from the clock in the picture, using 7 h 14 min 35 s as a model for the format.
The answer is 2 h 05 min 14 s
